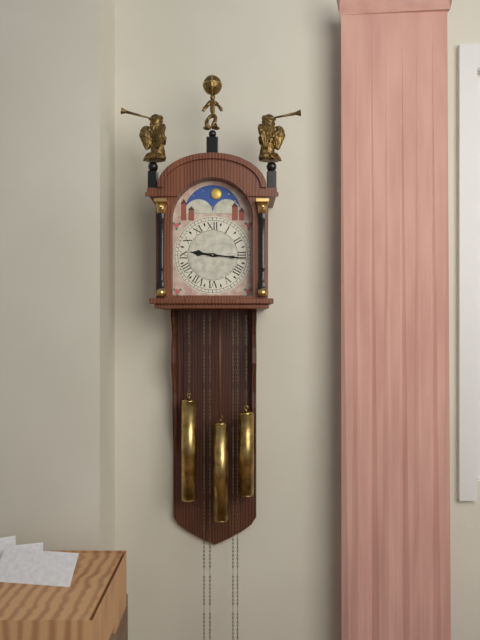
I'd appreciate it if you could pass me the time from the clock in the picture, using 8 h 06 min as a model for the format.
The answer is 9 h 16 min
